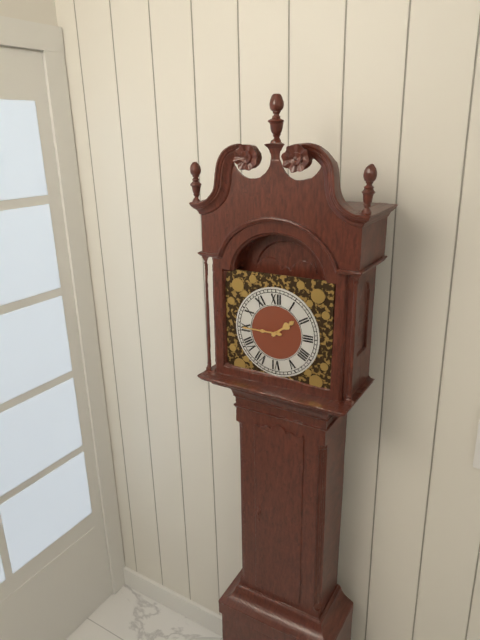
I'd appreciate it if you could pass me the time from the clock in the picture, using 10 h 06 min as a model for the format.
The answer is 1 h 45 min
